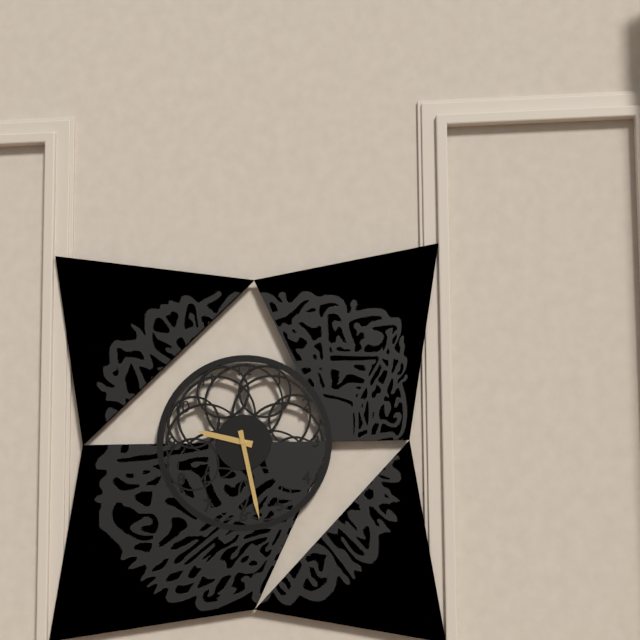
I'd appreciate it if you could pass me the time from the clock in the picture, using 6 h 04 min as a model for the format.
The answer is 9 h 28 min
